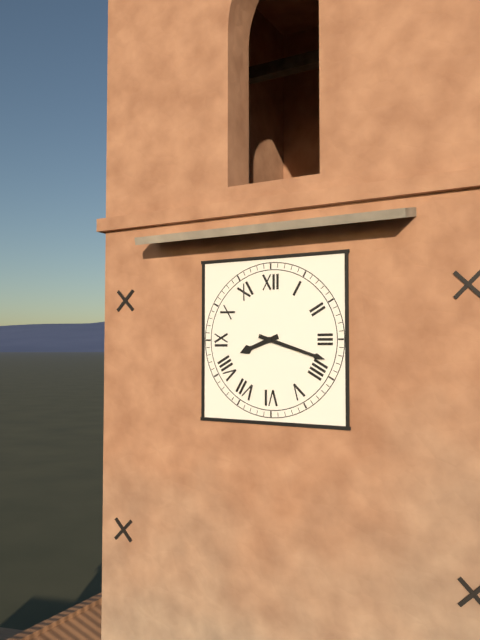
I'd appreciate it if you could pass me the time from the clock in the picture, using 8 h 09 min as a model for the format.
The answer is 8 h 18 min
